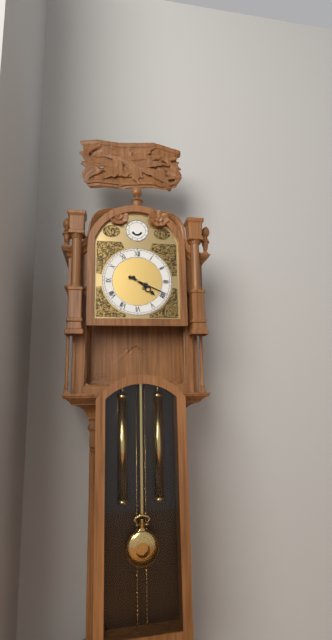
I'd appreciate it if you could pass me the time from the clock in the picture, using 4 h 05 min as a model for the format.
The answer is 4 h 19 min
